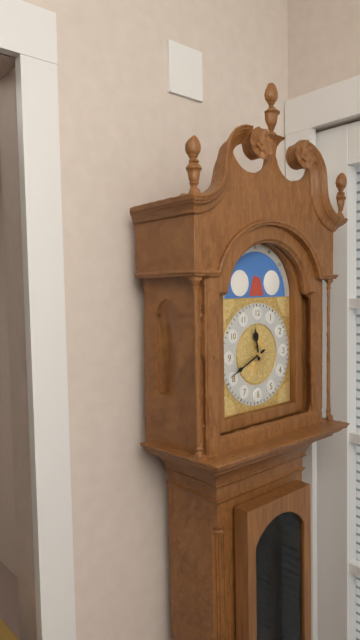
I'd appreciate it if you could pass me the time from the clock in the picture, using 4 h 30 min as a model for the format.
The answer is 11 h 41 min
